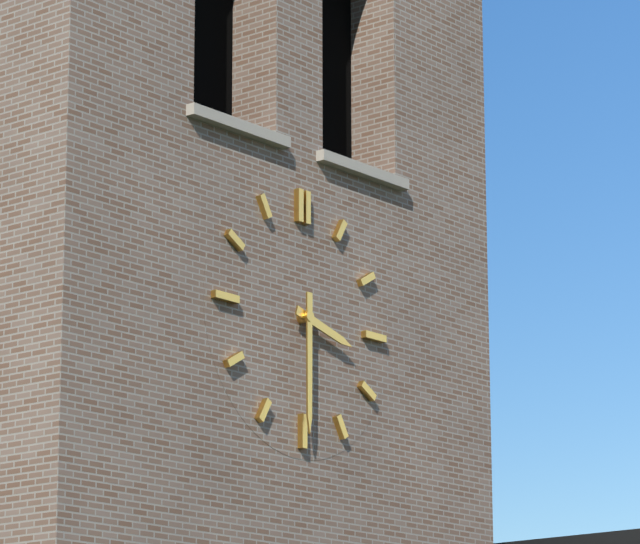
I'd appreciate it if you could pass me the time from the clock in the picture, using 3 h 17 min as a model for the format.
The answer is 3 h 30 min
